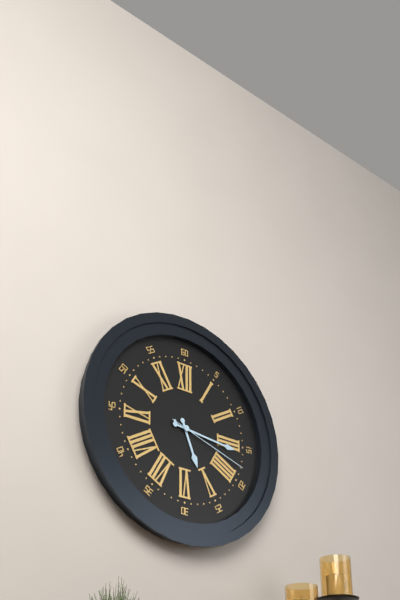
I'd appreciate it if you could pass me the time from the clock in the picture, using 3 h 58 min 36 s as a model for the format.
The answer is 5 h 16 min 18 s
